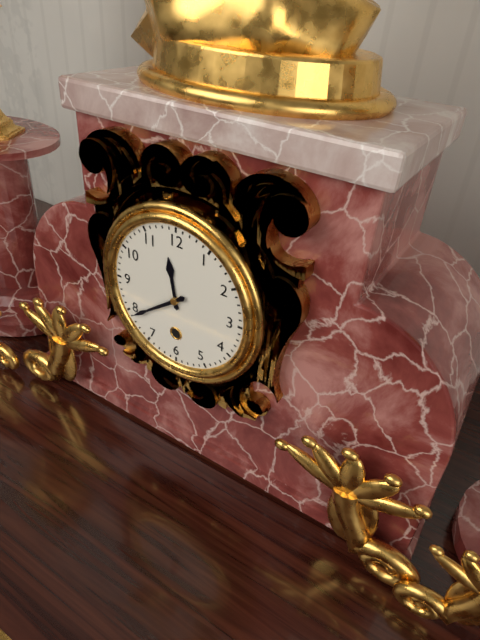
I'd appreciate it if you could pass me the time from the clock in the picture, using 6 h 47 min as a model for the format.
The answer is 11 h 39 min
